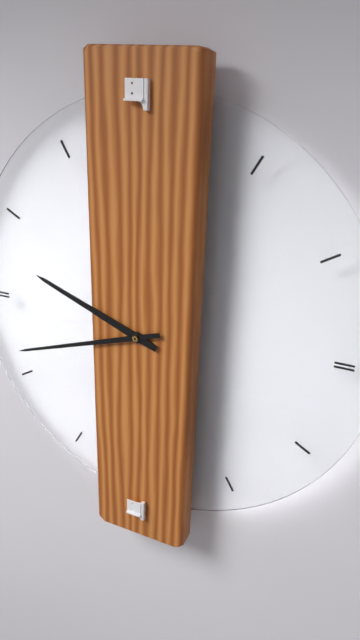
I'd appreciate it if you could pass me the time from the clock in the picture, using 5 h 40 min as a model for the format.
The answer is 9 h 42 min
